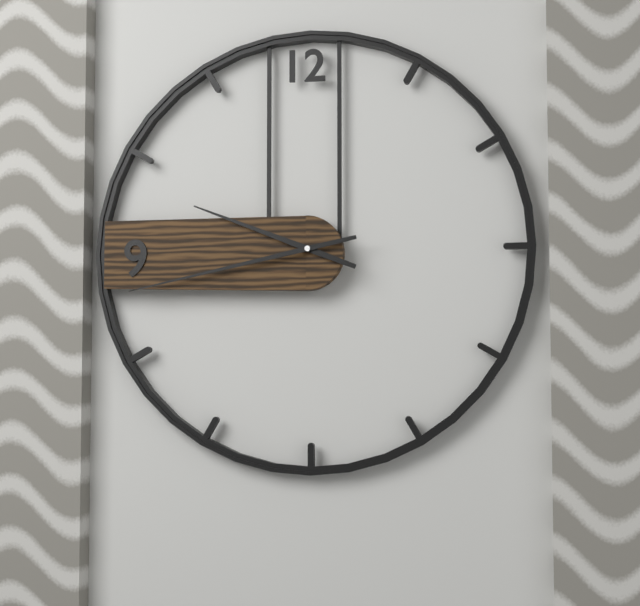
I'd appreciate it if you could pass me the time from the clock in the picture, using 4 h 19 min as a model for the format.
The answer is 9 h 43 min
